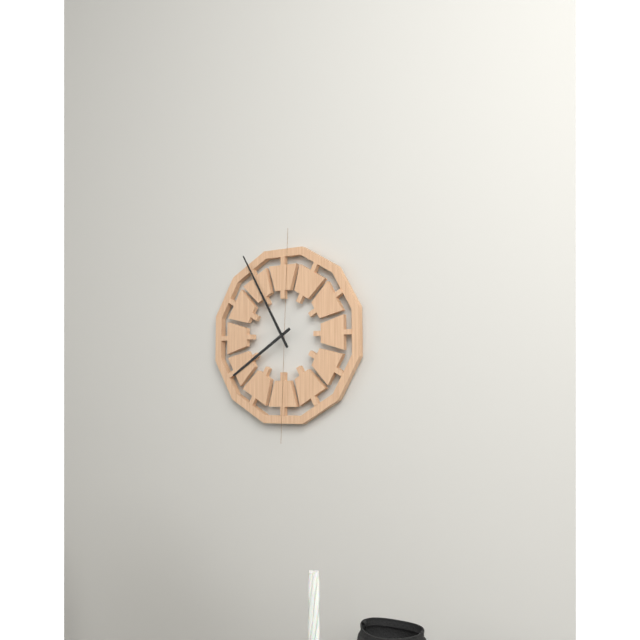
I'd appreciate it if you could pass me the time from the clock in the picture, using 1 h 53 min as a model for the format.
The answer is 7 h 55 min
